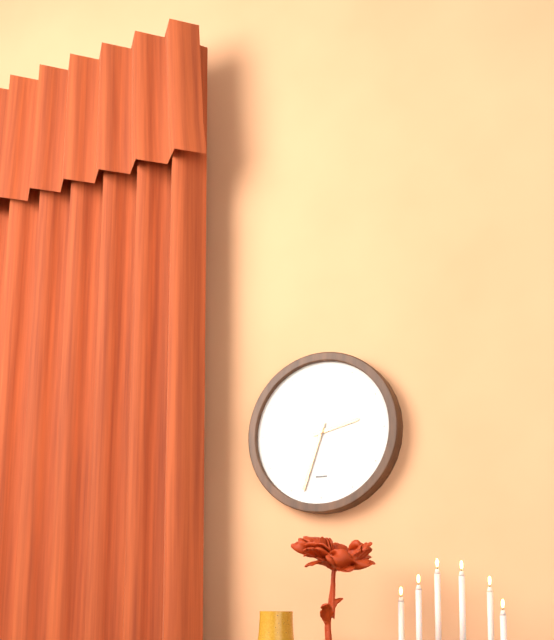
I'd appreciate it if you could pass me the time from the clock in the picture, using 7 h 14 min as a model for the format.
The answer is 2 h 33 min
